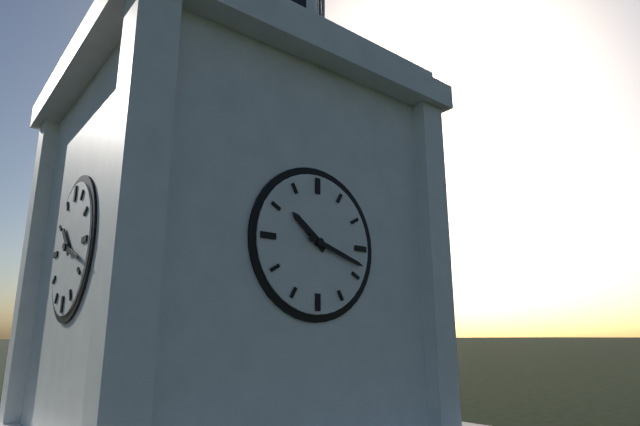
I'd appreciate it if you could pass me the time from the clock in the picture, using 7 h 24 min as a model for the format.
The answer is 10 h 18 min
